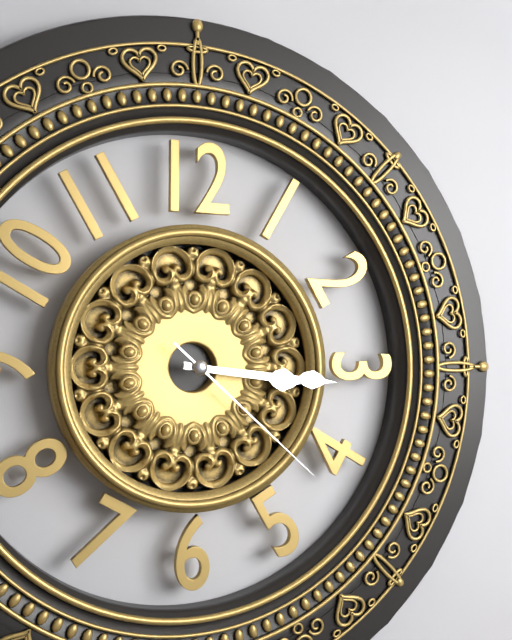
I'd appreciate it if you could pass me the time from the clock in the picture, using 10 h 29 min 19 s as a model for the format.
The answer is 3 h 16 min 22 s
